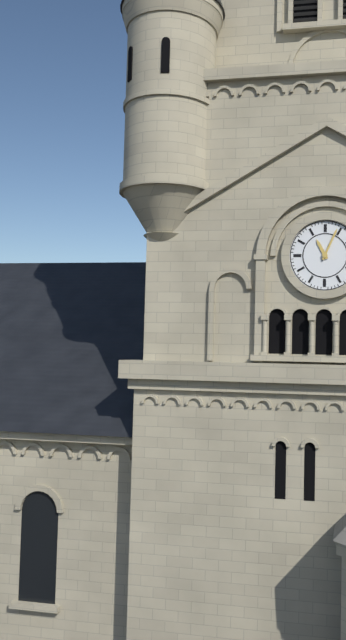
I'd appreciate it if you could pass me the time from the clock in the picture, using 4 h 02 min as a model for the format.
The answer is 11 h 04 min
